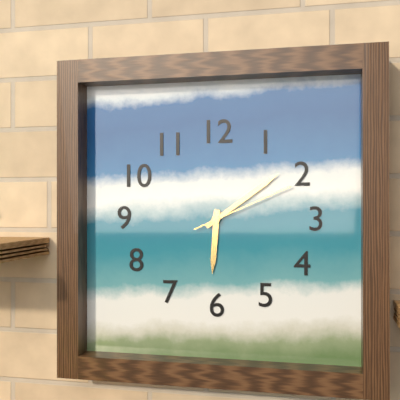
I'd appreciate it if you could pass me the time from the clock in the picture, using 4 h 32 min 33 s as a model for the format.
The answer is 6 h 09 min 11 s
